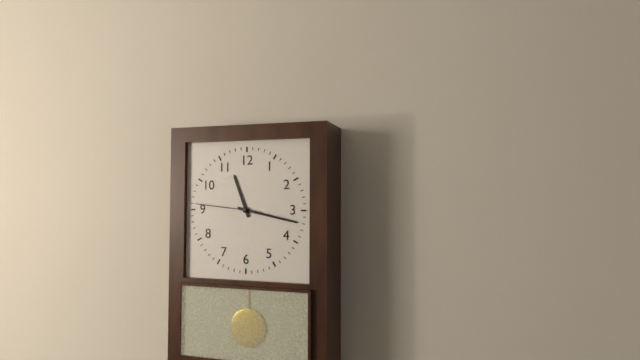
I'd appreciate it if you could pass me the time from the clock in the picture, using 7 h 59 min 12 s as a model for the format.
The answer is 11 h 17 min 46 s
